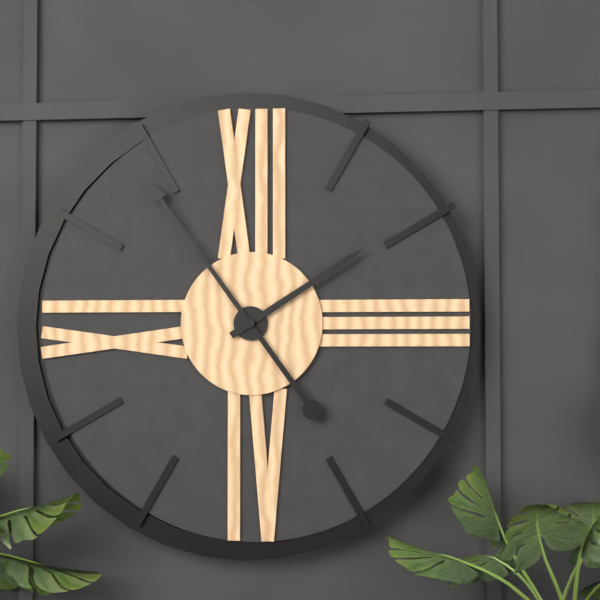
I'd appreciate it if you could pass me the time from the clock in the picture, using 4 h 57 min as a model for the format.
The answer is 1 h 54 min
